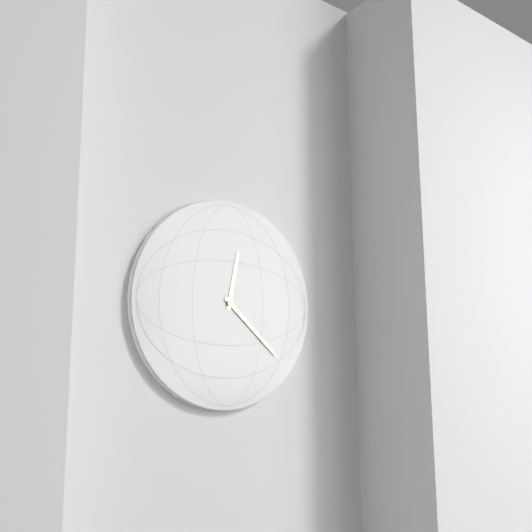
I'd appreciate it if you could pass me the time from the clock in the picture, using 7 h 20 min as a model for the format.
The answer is 12 h 22 min
